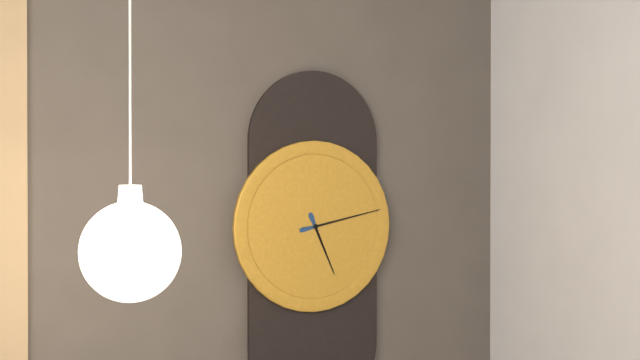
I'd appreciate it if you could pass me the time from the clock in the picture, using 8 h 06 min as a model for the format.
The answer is 5 h 13 min
